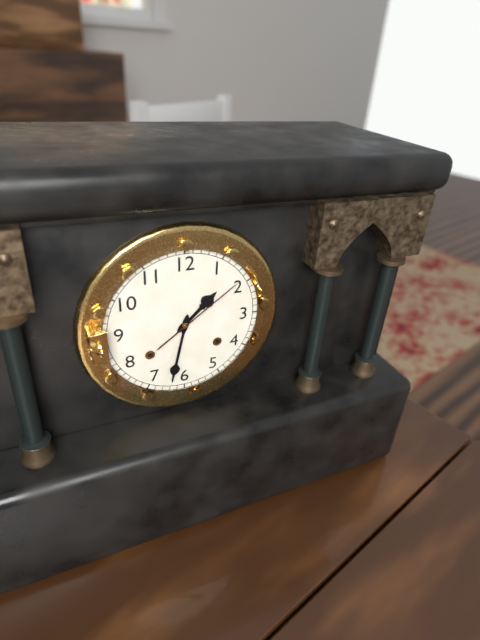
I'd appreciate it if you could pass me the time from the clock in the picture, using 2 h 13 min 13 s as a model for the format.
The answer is 1 h 32 min 09 s
